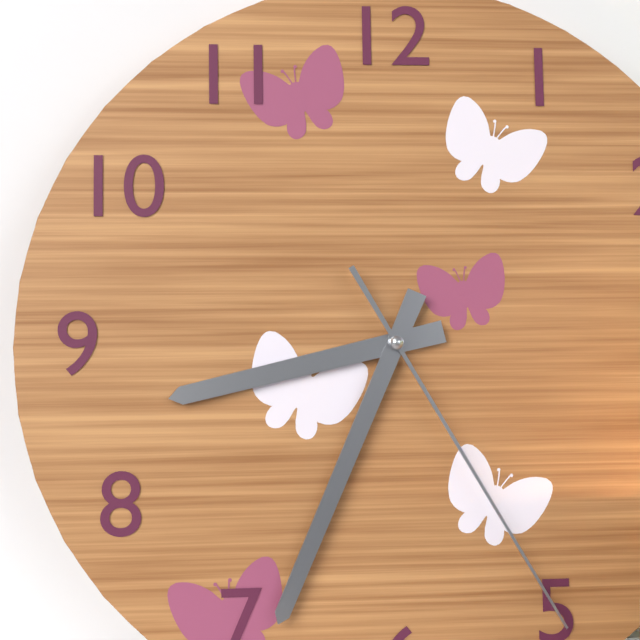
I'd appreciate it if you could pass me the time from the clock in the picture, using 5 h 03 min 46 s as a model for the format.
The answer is 8 h 34 min 25 s
